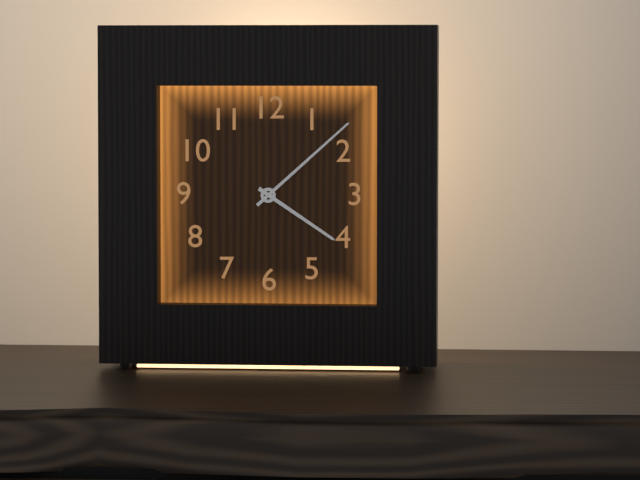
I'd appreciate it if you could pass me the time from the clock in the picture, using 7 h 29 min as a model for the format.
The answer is 4 h 08 min
